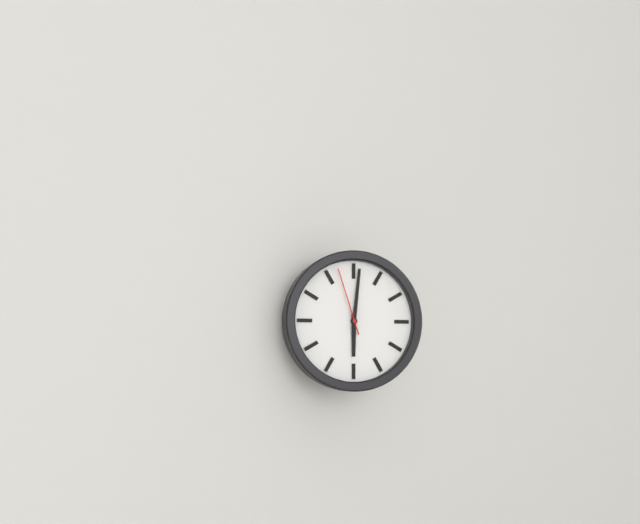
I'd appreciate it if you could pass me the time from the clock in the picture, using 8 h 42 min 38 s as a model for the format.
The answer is 6 h 01 min 57 s
